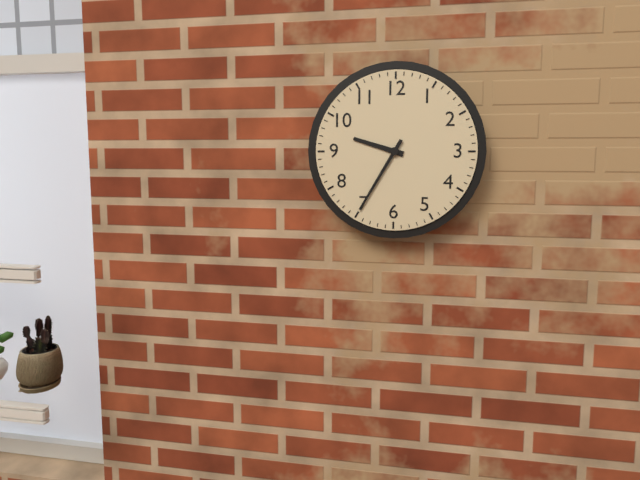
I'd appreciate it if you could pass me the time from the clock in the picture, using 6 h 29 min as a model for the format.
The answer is 9 h 35 min
